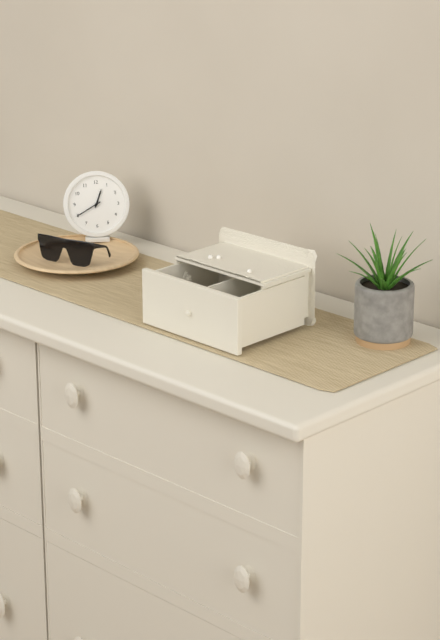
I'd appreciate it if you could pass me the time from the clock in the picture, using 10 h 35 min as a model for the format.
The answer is 12 h 40 min
